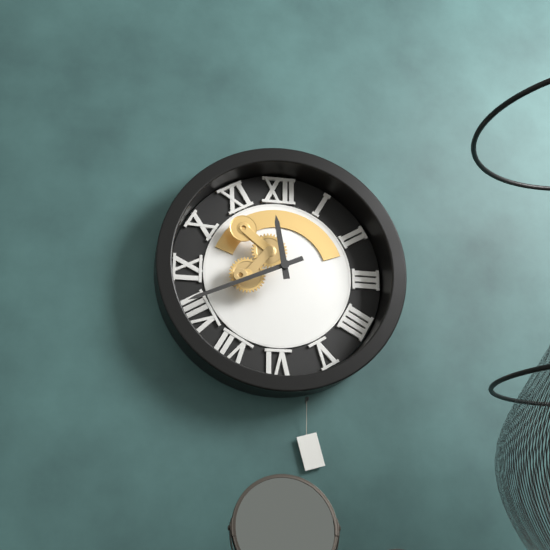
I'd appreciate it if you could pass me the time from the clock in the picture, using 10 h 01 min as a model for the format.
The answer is 11 h 41 min
